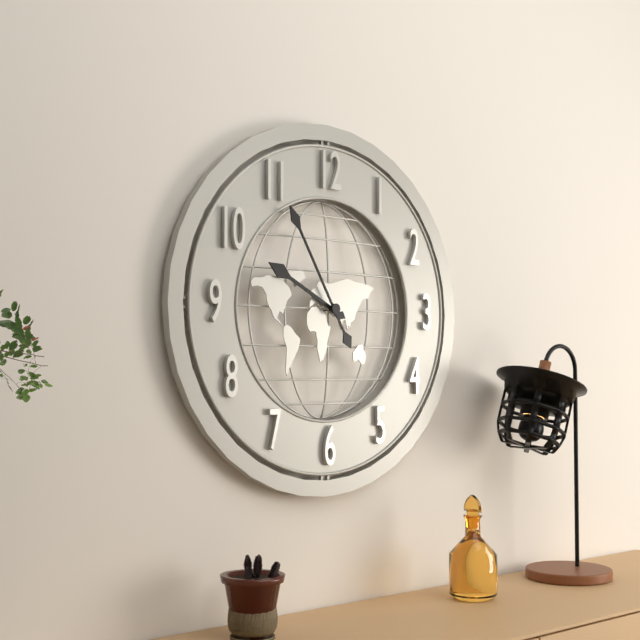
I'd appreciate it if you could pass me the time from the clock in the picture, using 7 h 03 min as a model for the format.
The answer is 9 h 55 min
